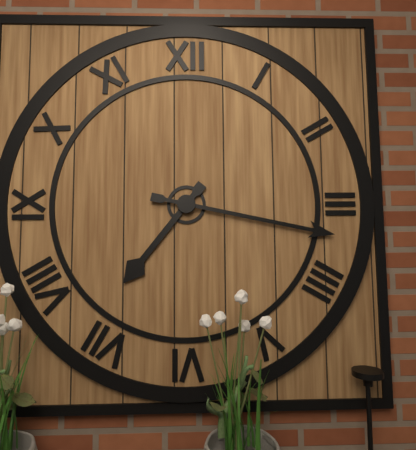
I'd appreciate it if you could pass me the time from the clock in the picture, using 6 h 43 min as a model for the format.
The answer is 7 h 17 min
